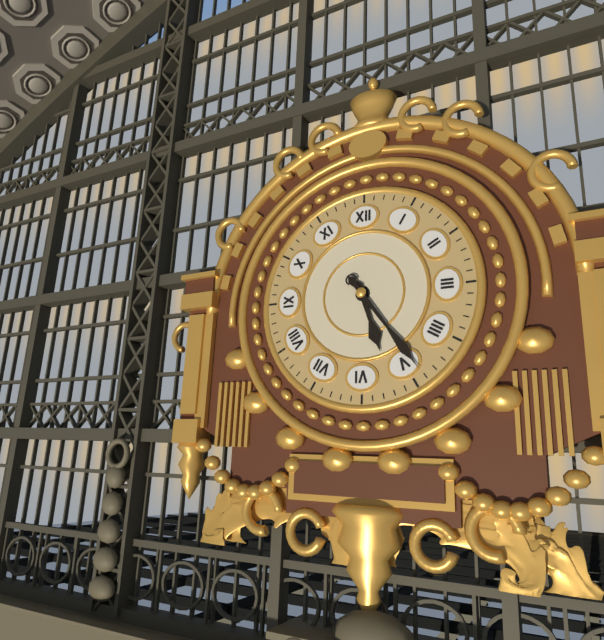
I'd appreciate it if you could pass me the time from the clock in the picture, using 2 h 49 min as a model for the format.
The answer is 5 h 24 min
